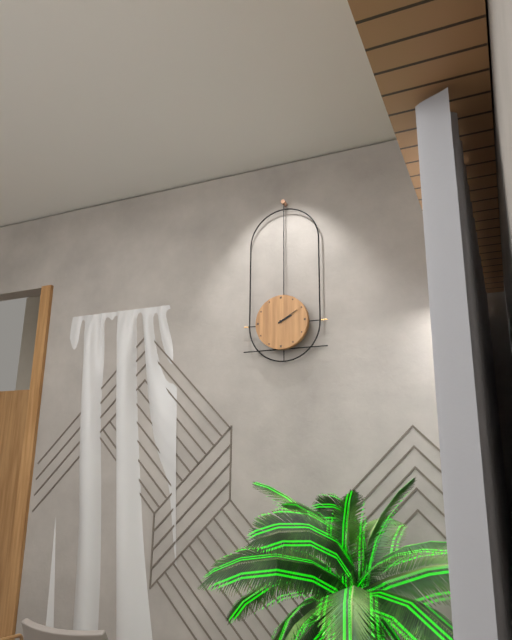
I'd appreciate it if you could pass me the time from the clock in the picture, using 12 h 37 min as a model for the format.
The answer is 2 h 10 min
